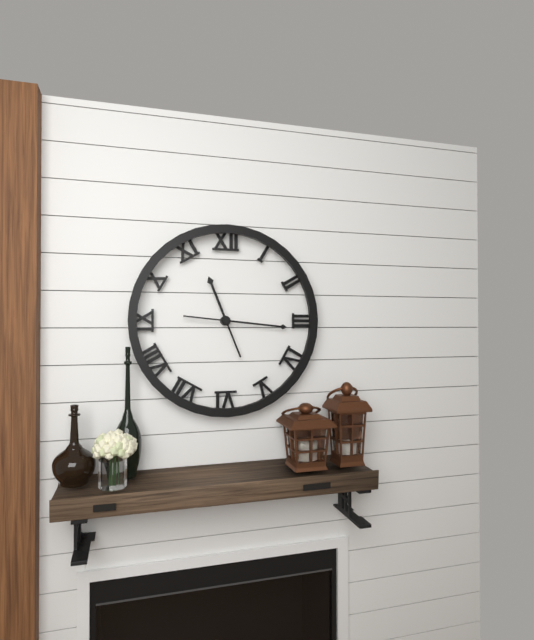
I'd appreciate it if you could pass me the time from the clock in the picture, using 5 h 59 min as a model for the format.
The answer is 11 h 16 min
